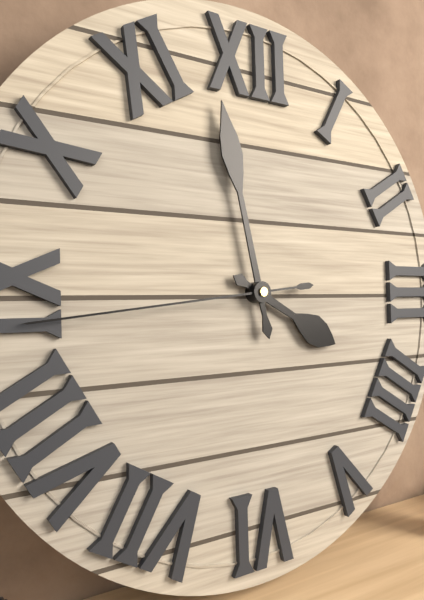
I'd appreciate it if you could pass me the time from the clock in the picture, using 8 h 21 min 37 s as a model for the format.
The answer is 3 h 58 min 44 s
